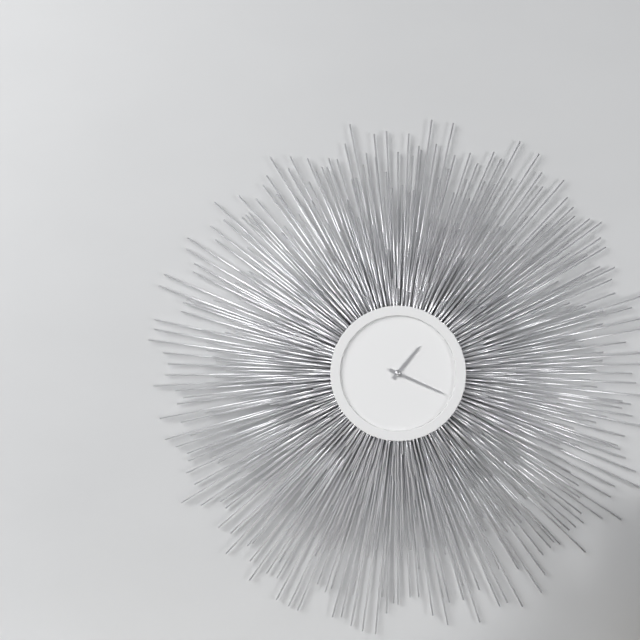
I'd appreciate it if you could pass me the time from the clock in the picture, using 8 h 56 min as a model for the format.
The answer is 1 h 19 min
